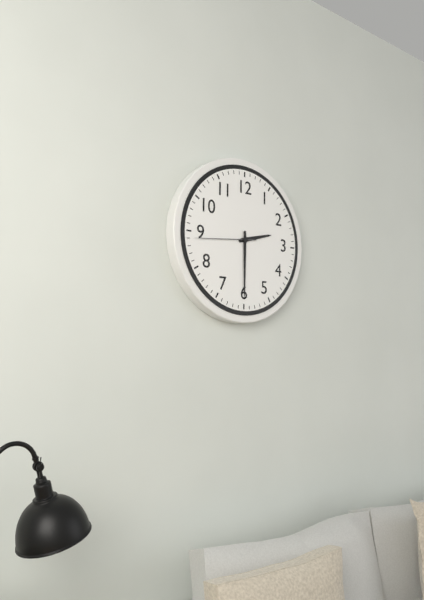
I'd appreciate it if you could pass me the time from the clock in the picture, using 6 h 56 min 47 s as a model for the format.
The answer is 2 h 30 min 44 s
